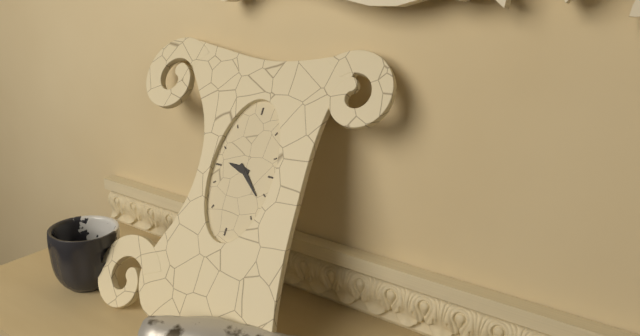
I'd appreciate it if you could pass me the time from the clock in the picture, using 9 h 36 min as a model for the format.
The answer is 9 h 22 min
